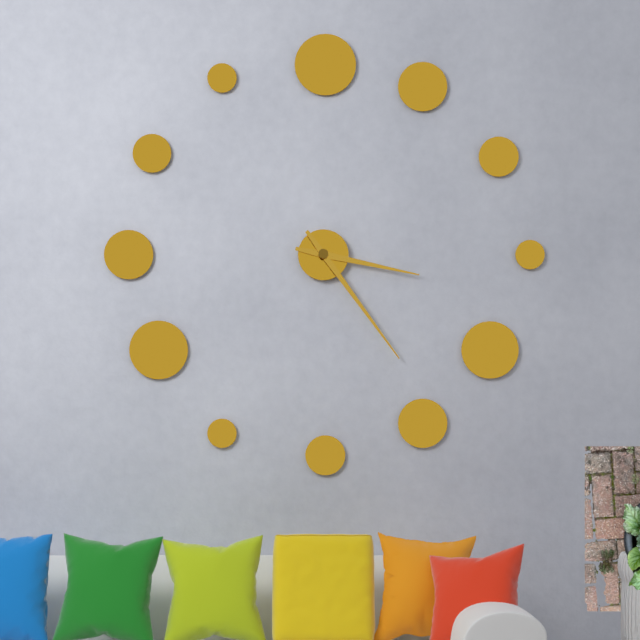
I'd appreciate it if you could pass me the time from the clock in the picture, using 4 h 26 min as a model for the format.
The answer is 3 h 24 min
